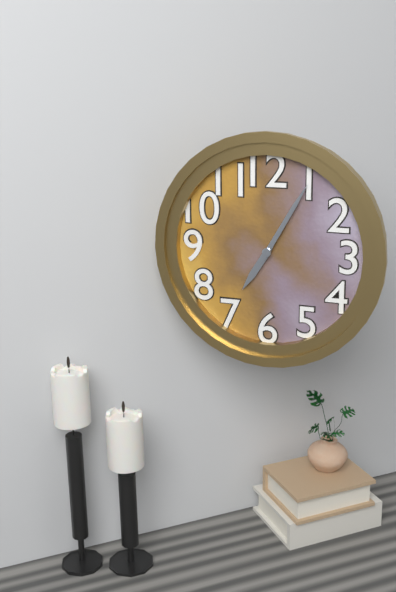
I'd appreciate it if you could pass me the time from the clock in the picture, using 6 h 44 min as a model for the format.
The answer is 7 h 05 min
